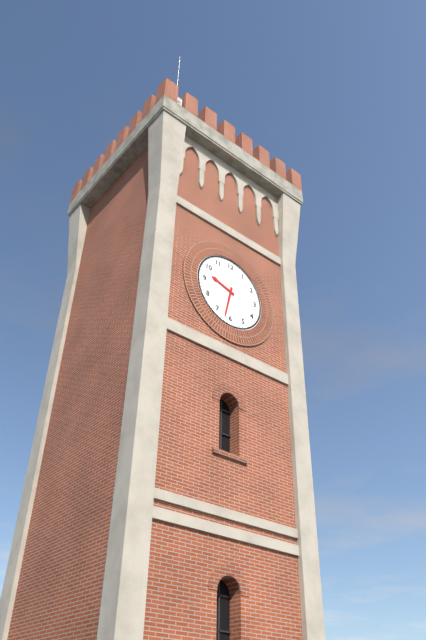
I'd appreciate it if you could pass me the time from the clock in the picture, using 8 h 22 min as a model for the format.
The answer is 9 h 32 min
